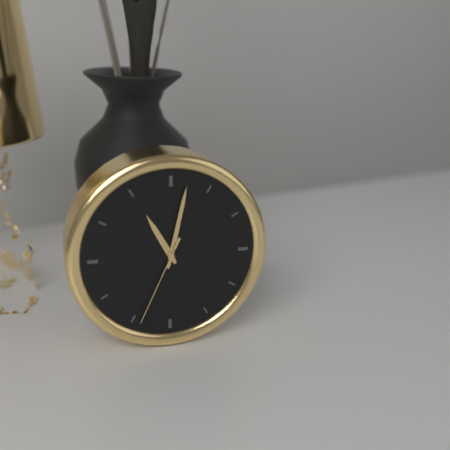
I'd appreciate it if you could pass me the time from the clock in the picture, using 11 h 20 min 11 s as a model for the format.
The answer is 11 h 02 min 34 s
